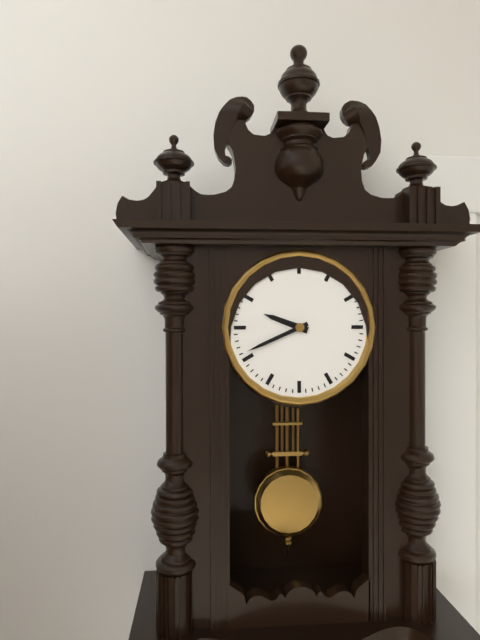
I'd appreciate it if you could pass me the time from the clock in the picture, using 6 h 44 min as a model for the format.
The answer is 9 h 41 min
